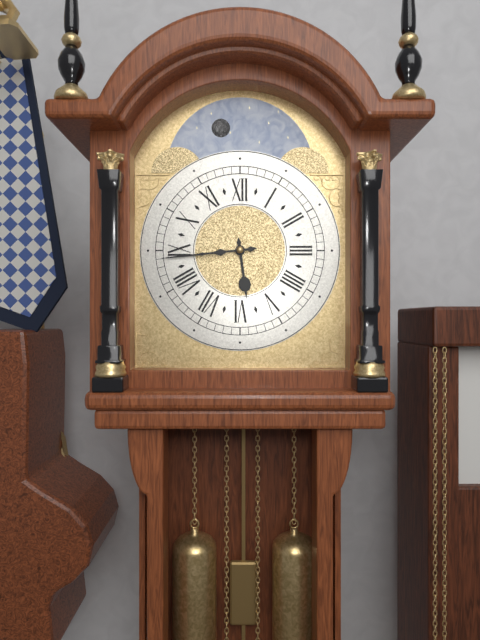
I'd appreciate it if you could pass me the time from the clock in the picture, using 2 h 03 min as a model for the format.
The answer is 5 h 44 min
